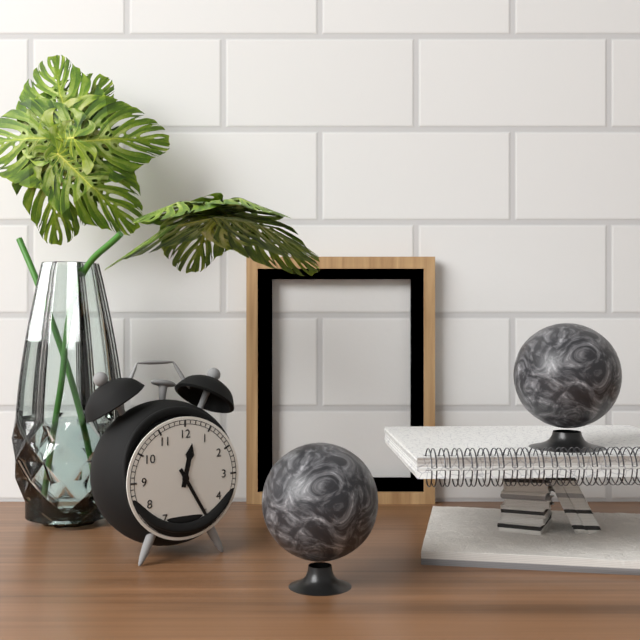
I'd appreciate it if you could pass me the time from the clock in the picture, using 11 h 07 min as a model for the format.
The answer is 12 h 25 min
